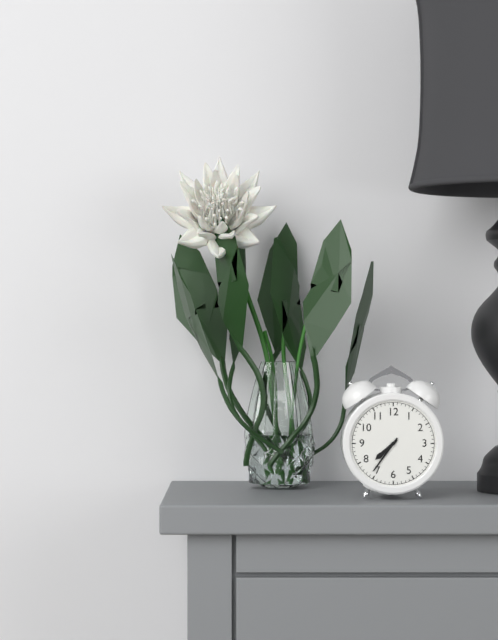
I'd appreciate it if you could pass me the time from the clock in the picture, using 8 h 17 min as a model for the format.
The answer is 7 h 36 min
